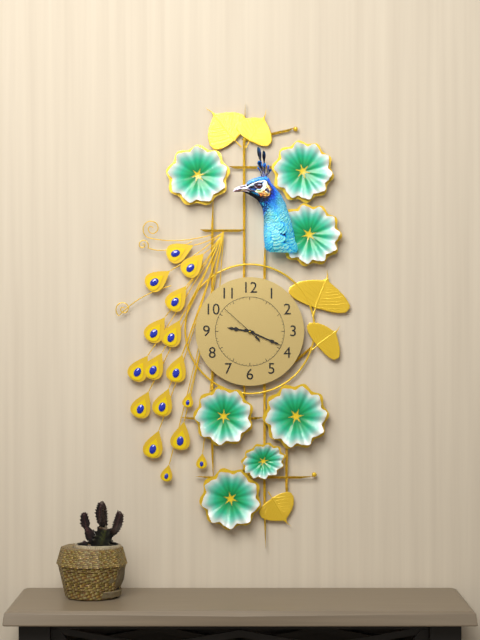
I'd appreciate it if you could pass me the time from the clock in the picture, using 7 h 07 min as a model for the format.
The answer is 9 h 19 min
